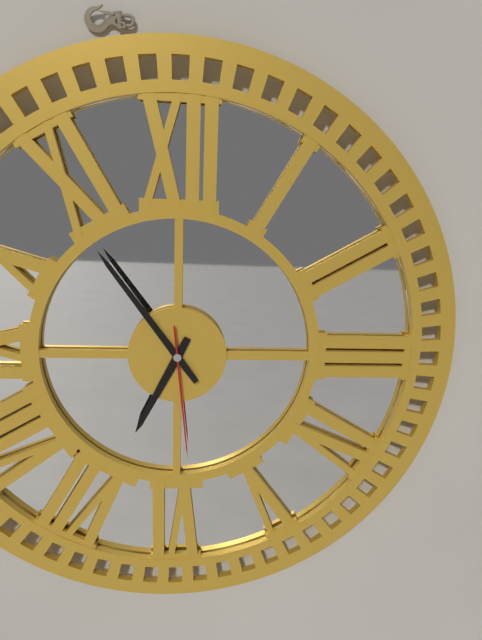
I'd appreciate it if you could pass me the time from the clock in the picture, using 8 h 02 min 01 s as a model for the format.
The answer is 6 h 54 min 29 s
